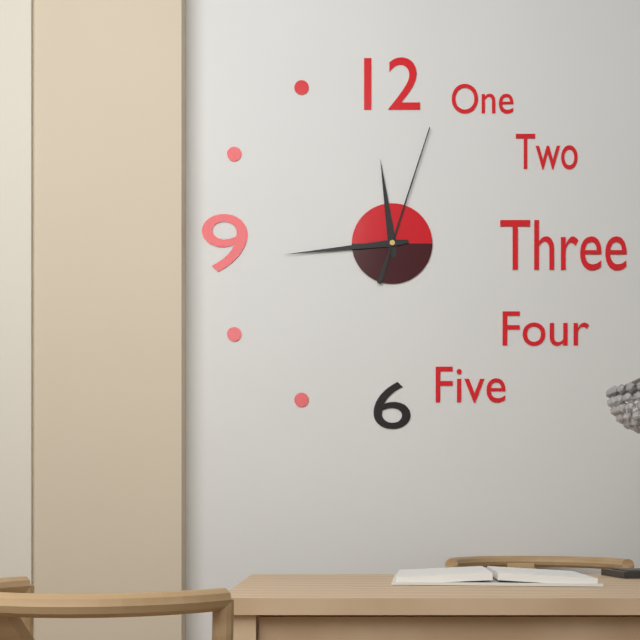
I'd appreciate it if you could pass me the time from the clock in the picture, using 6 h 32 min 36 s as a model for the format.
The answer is 11 h 44 min 03 s
